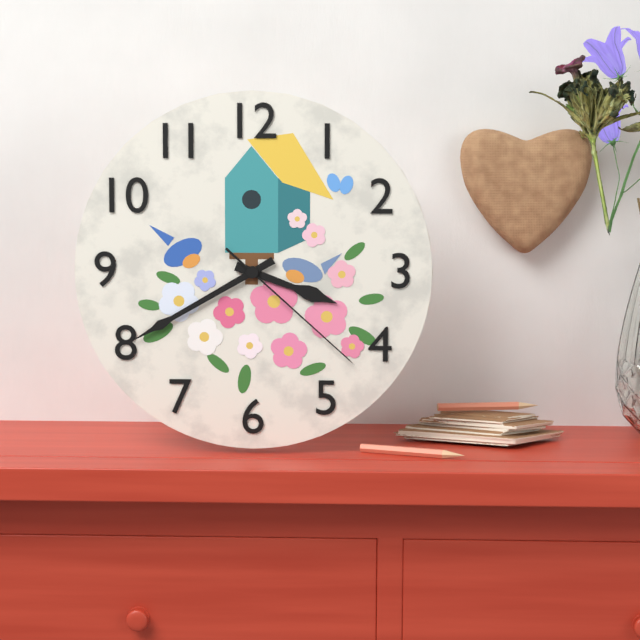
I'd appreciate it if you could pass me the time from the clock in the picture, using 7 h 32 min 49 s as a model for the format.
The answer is 3 h 40 min 22 s
